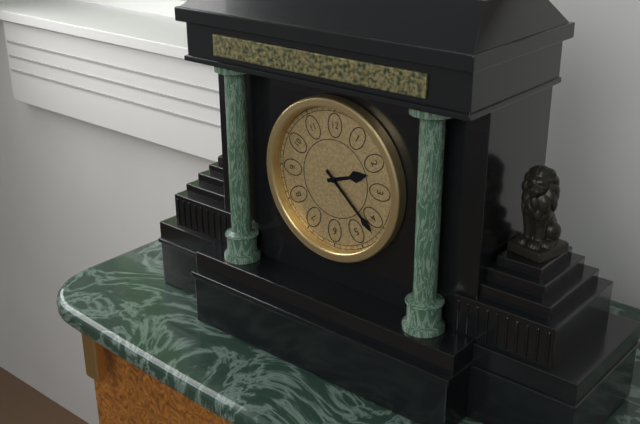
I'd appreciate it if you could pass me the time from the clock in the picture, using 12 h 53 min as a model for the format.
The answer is 2 h 22 min
